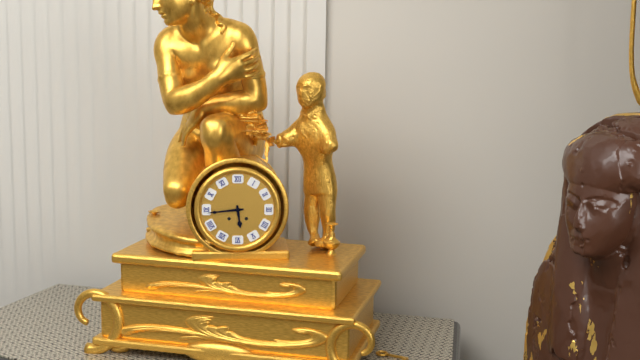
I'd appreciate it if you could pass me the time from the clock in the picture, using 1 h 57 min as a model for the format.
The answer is 5 h 44 min
